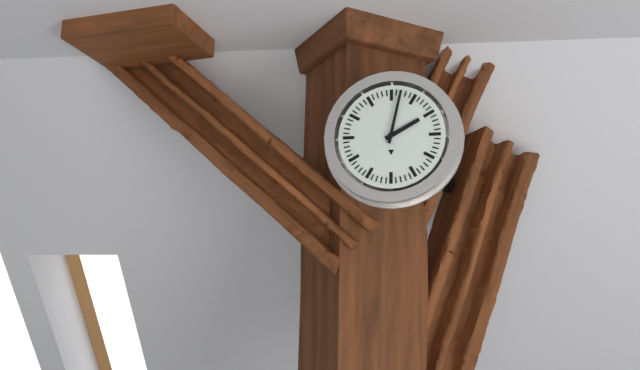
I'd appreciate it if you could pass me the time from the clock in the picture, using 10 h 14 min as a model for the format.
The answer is 2 h 02 min
